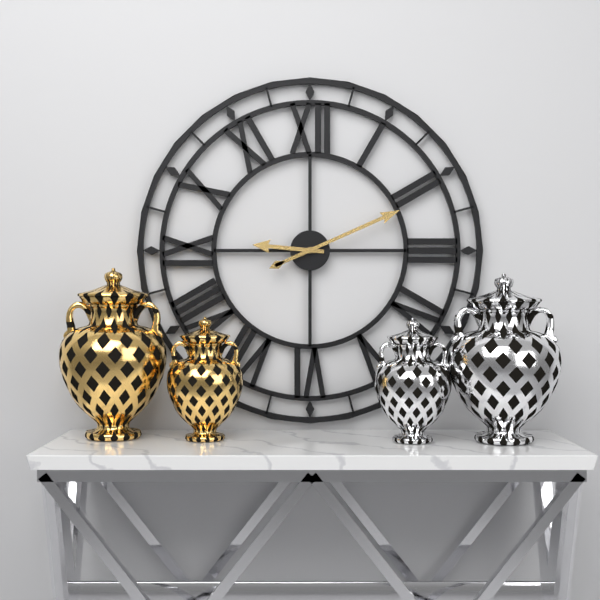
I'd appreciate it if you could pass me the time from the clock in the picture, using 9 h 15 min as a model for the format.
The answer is 9 h 11 min
